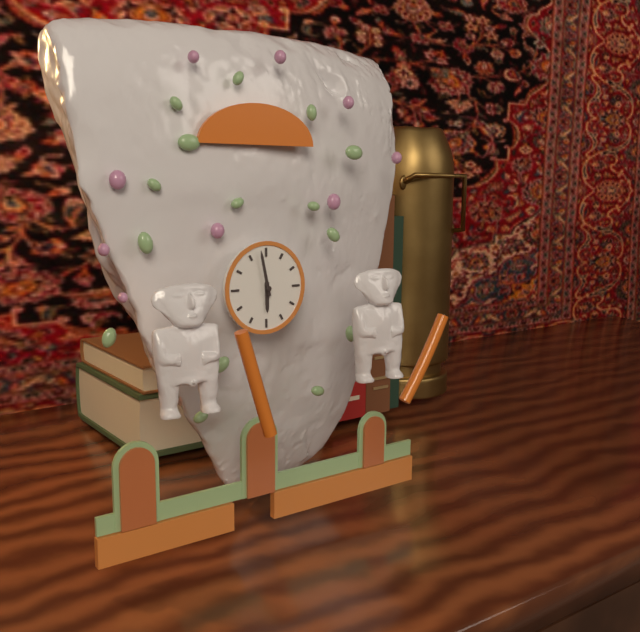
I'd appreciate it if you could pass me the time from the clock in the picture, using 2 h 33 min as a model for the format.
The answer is 5 h 58 min
